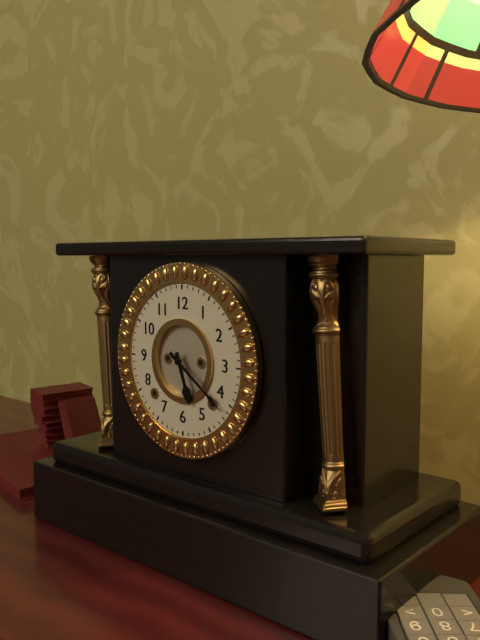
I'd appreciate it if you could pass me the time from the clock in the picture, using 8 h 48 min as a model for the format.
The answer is 5 h 21 min
